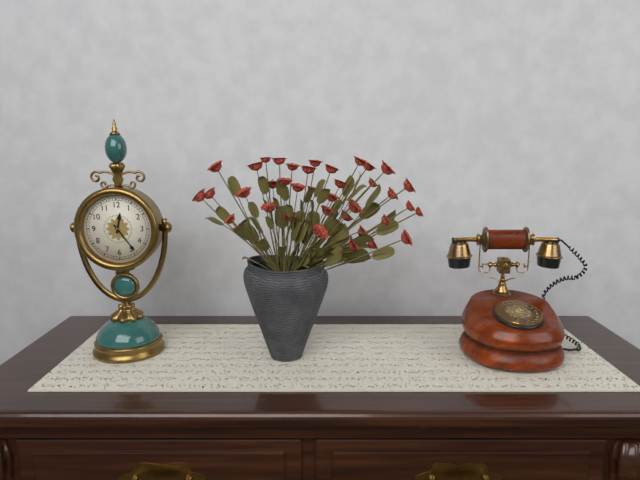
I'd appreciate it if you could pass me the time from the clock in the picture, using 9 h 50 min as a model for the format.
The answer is 12 h 24 min
